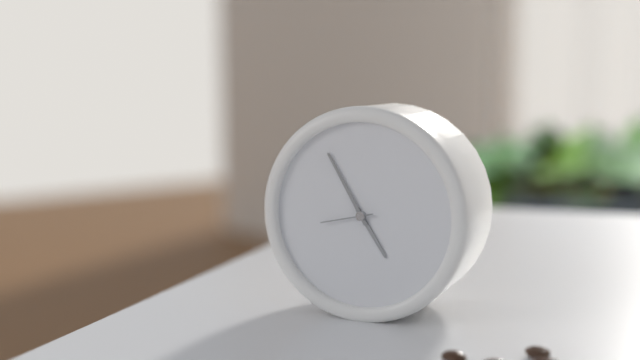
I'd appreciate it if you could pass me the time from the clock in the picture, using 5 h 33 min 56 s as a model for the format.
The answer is 4 h 55 min 43 s
